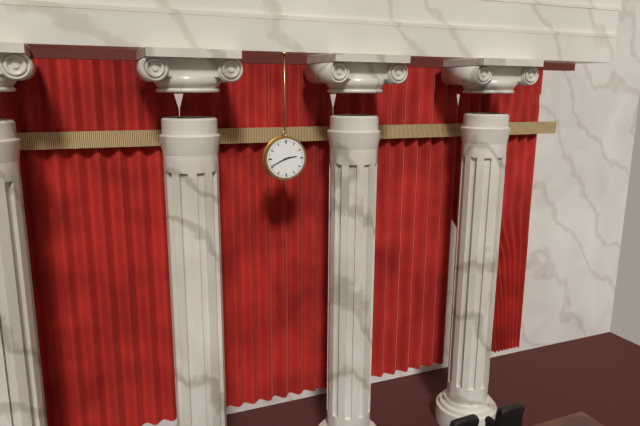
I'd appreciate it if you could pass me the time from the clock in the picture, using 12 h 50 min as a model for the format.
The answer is 2 h 41 min
